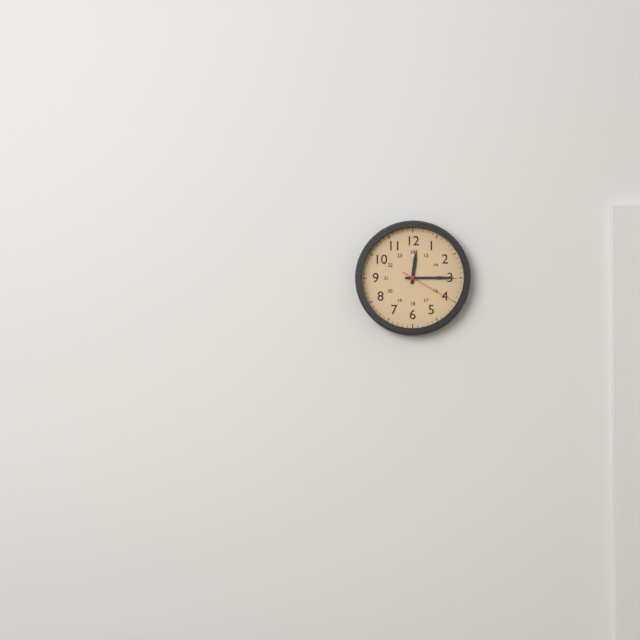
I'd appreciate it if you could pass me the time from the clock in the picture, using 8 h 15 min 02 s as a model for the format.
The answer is 12 h 15 min 20 s
